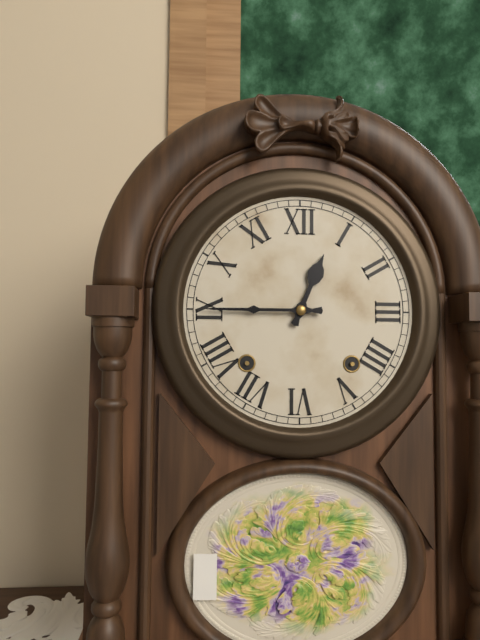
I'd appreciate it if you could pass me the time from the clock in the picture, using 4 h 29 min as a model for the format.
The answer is 12 h 45 min
